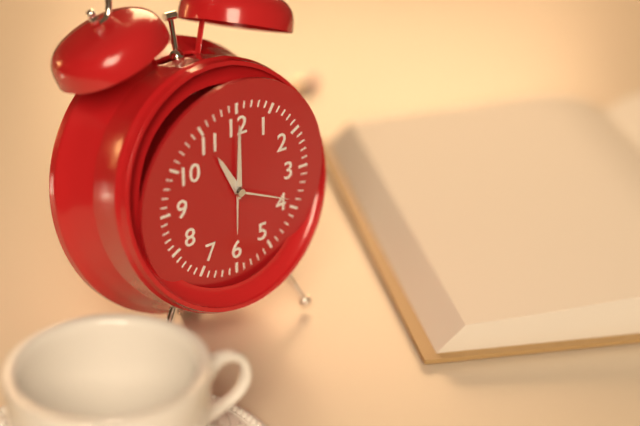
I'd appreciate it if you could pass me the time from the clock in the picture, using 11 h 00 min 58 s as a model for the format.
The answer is 11 h 00 min 19 s
